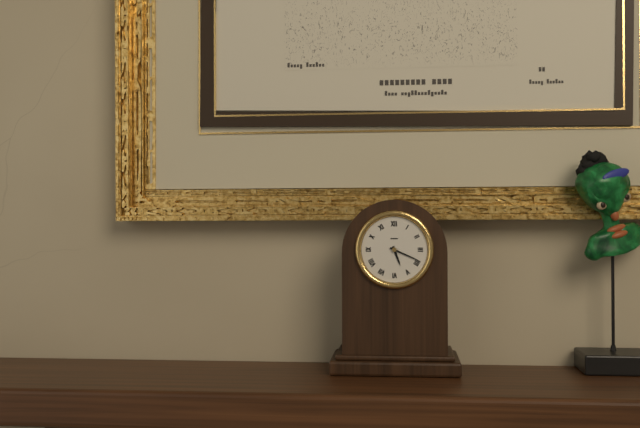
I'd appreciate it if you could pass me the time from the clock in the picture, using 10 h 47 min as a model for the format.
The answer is 5 h 19 min
